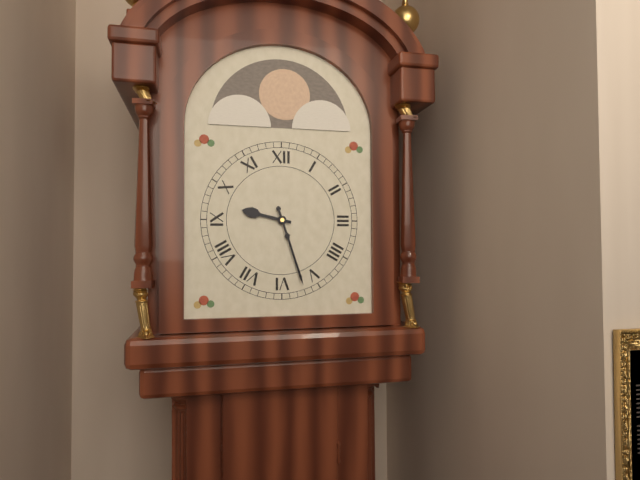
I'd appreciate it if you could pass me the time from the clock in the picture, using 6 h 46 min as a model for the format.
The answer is 9 h 27 min
